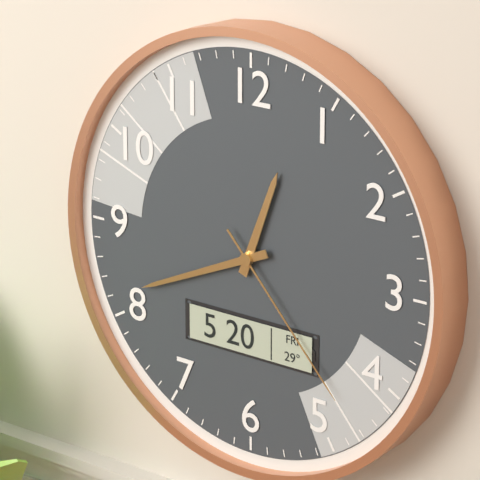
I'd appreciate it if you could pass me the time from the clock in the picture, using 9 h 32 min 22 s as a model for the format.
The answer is 12 h 41 min 23 s
